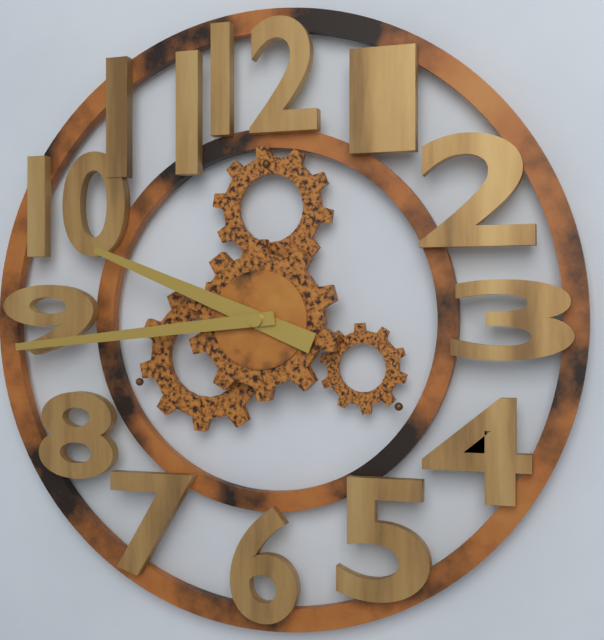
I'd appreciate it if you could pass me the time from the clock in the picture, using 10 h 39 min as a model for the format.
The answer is 9 h 44 min
